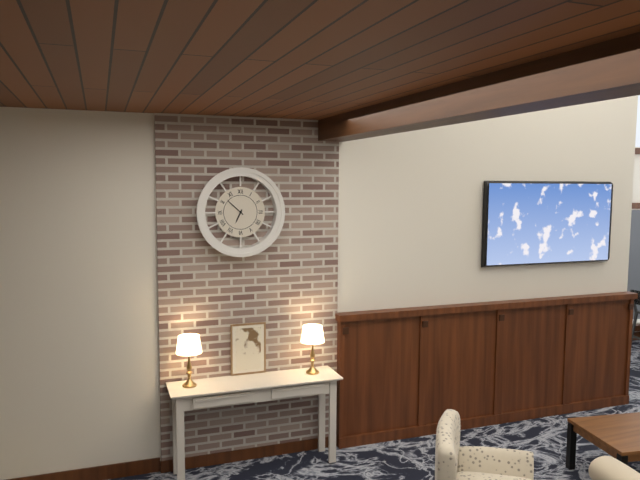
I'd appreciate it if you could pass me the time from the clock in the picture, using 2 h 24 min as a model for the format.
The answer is 6 h 52 min
